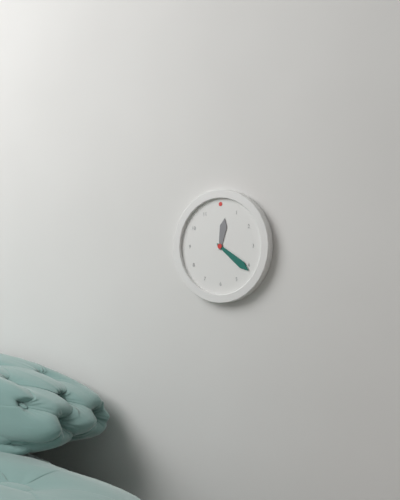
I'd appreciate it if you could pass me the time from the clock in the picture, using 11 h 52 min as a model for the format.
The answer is 12 h 21 min
